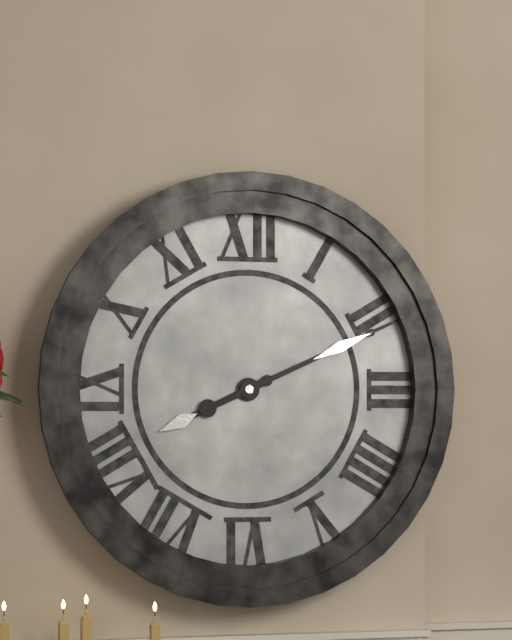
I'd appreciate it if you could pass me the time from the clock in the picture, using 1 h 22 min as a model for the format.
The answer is 8 h 11 min
